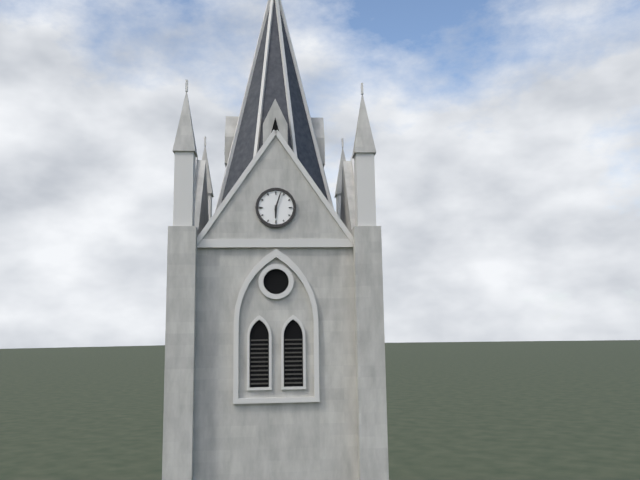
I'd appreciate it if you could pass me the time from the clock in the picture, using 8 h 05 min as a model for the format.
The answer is 6 h 03 min
